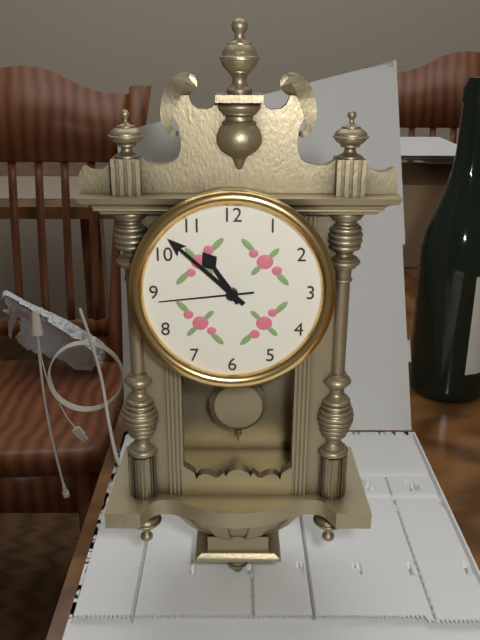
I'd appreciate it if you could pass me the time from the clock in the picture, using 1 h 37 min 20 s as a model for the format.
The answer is 10 h 52 min 44 s
